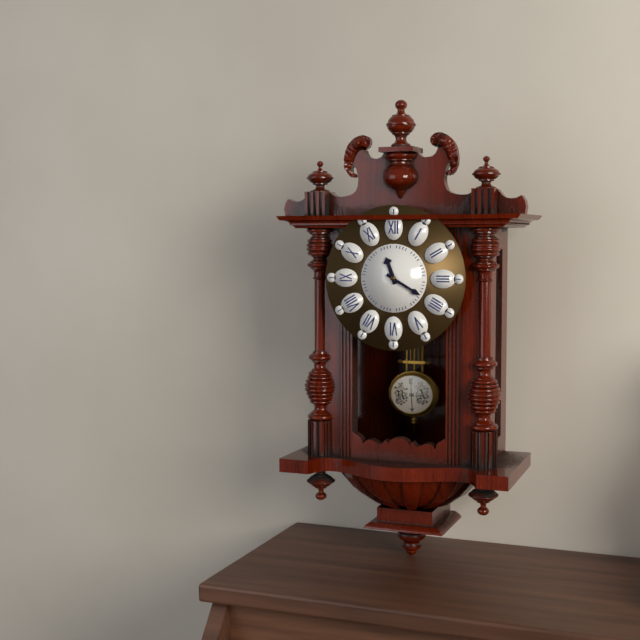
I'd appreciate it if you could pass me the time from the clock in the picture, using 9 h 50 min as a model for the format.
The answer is 11 h 20 min
